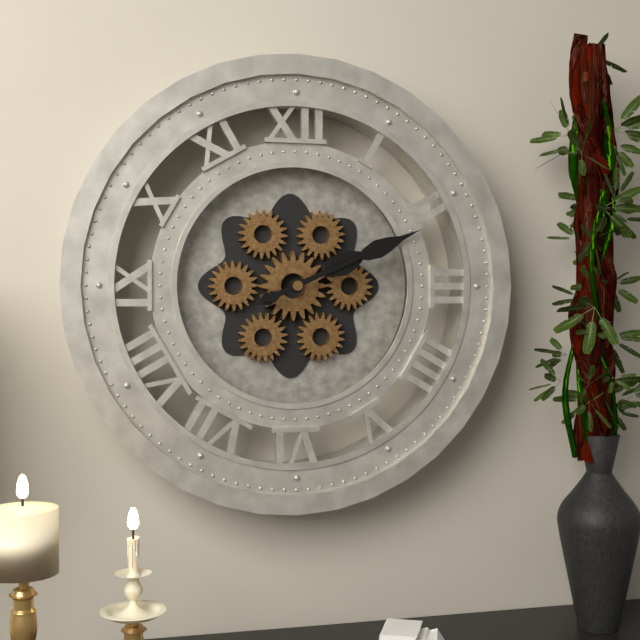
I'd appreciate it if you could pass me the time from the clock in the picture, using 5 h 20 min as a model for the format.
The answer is 2 h 11 min
